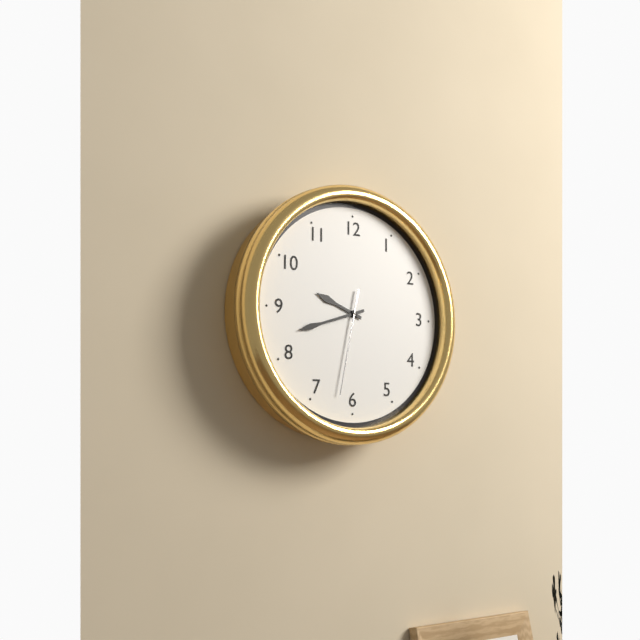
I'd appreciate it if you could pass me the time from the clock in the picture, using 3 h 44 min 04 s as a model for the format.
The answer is 9 h 42 min 32 s
